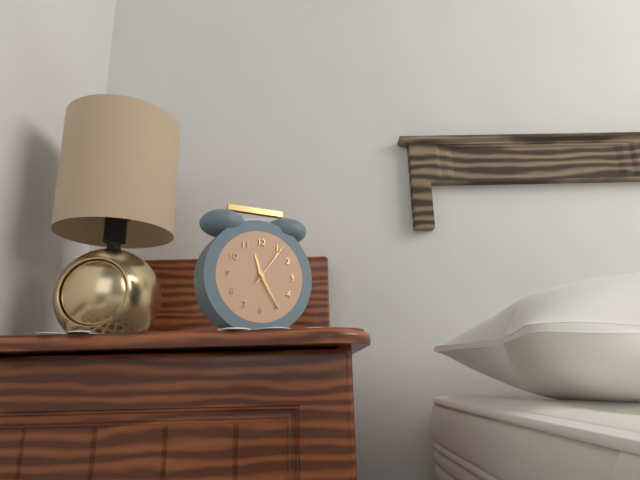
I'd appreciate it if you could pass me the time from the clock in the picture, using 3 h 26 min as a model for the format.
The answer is 11 h 25 min
